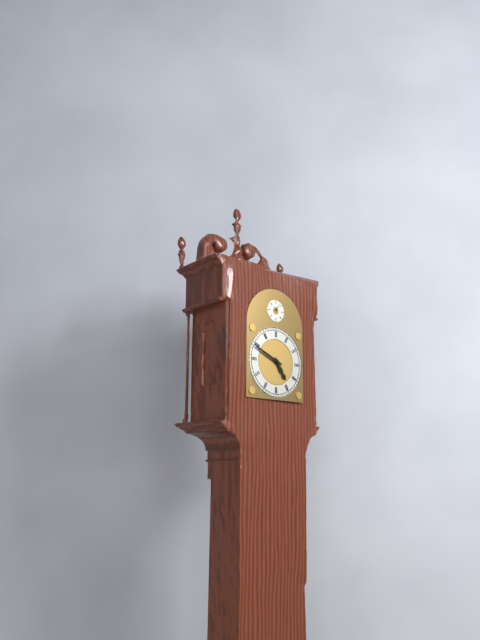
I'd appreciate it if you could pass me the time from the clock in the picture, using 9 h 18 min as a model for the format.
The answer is 4 h 49 min
